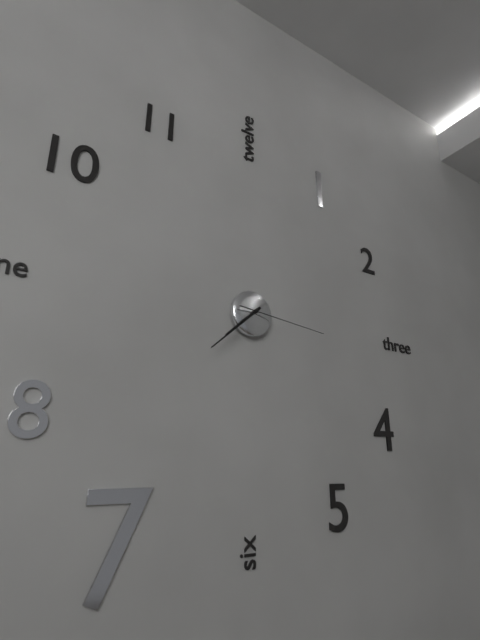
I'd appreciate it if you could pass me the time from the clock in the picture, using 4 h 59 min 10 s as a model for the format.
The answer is 7 h 38 min 16 s
